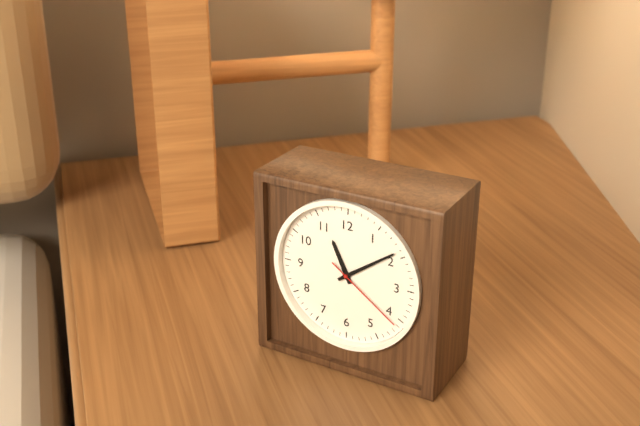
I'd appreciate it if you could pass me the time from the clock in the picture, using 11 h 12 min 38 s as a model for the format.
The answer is 11 h 09 min 21 s
